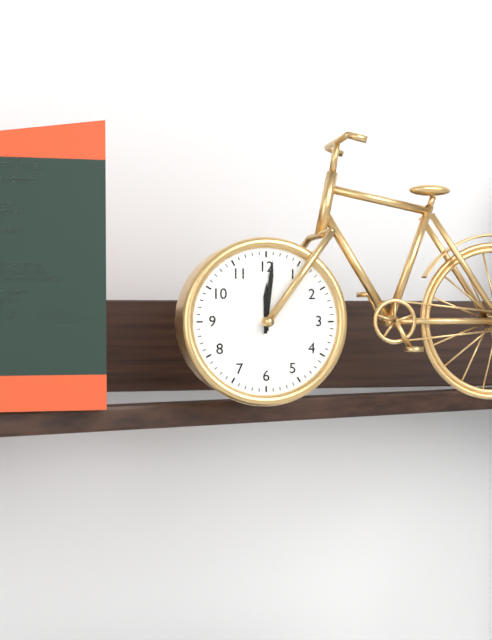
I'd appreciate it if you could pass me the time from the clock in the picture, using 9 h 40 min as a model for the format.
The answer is 12 h 01 min
